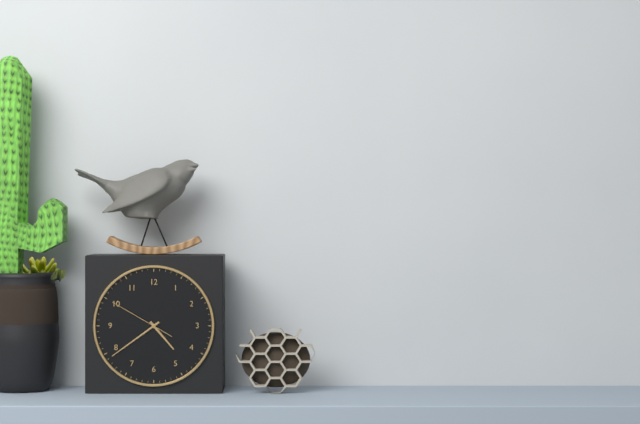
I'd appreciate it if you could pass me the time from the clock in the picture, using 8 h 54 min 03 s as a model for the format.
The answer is 4 h 39 min 50 s
